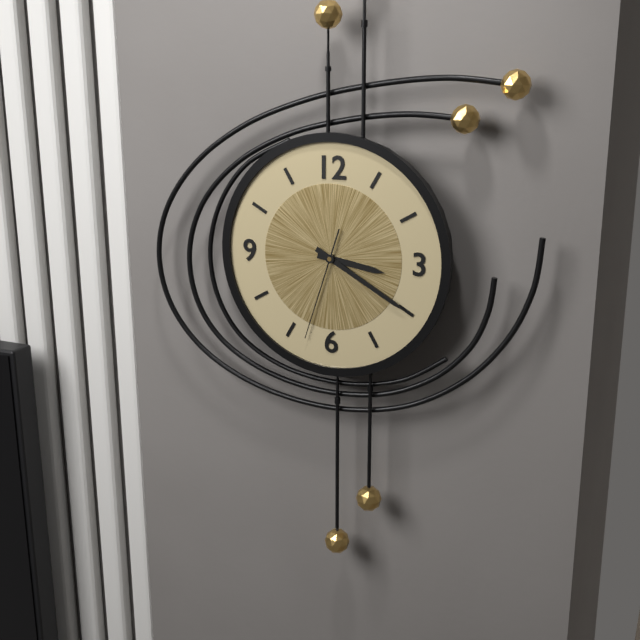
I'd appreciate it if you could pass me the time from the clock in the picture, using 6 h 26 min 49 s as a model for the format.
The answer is 3 h 20 min 33 s
